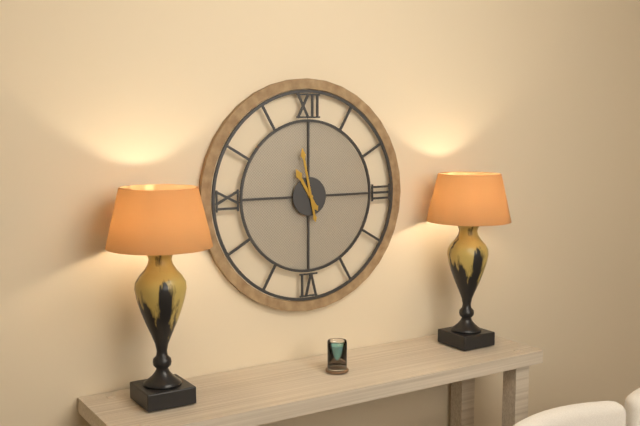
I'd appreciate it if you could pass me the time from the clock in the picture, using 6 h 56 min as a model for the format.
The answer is 10 h 58 min
